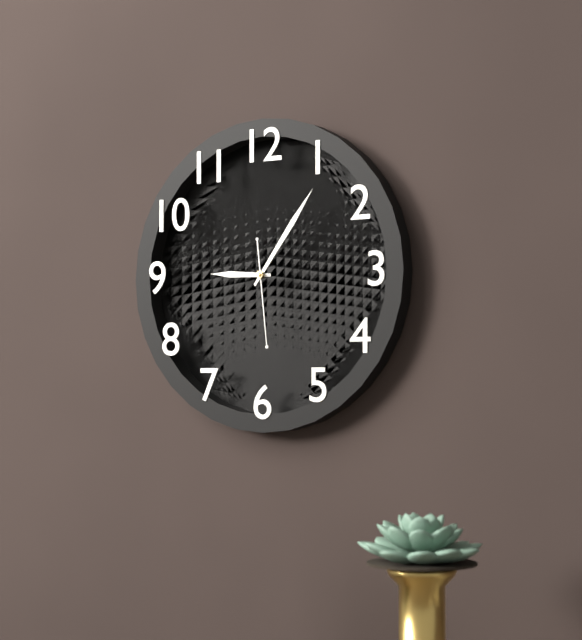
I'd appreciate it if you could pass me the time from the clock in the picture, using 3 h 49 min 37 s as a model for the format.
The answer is 9 h 06 min 29 s
